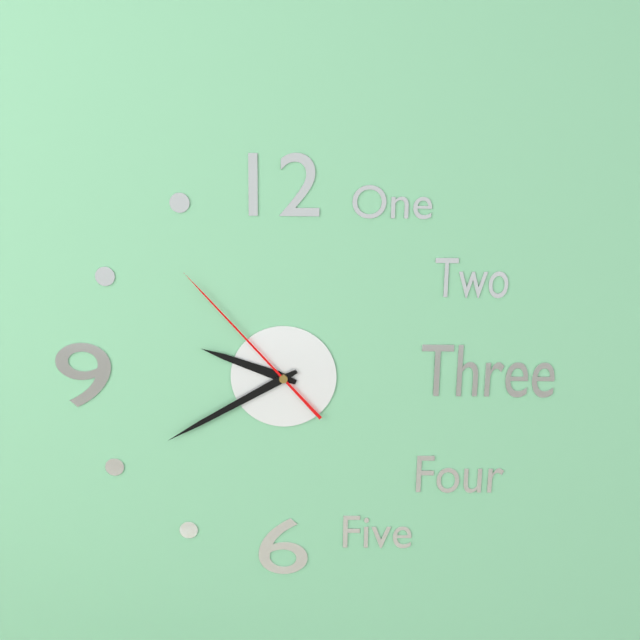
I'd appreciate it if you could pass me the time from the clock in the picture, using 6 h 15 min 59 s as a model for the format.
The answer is 9 h 40 min 53 s
